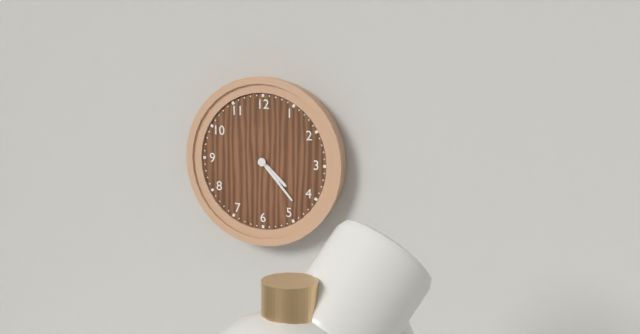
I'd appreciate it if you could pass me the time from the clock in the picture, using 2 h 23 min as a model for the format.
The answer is 4 h 23 min
